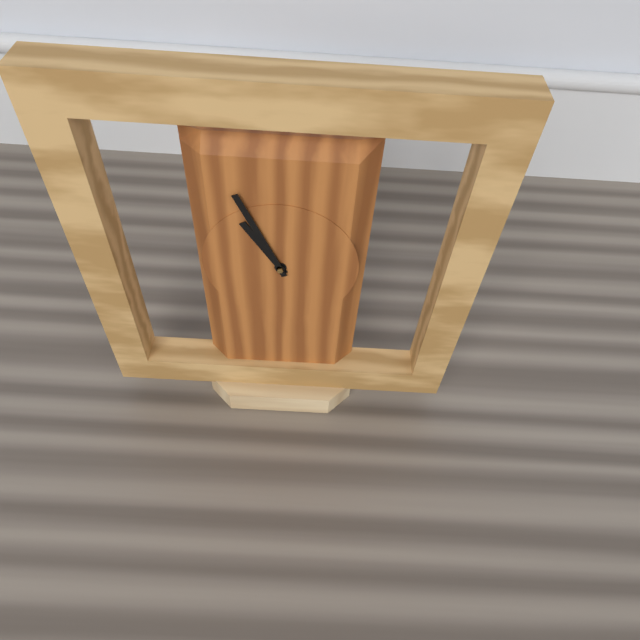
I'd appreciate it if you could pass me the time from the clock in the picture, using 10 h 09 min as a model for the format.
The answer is 10 h 56 min
